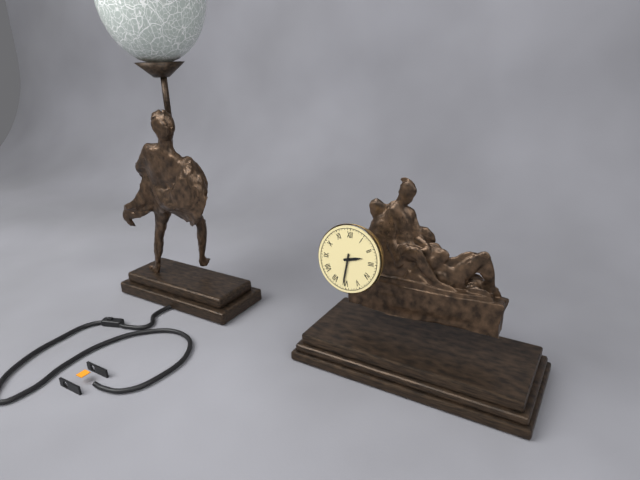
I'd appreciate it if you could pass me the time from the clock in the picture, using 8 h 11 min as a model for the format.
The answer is 2 h 31 min
